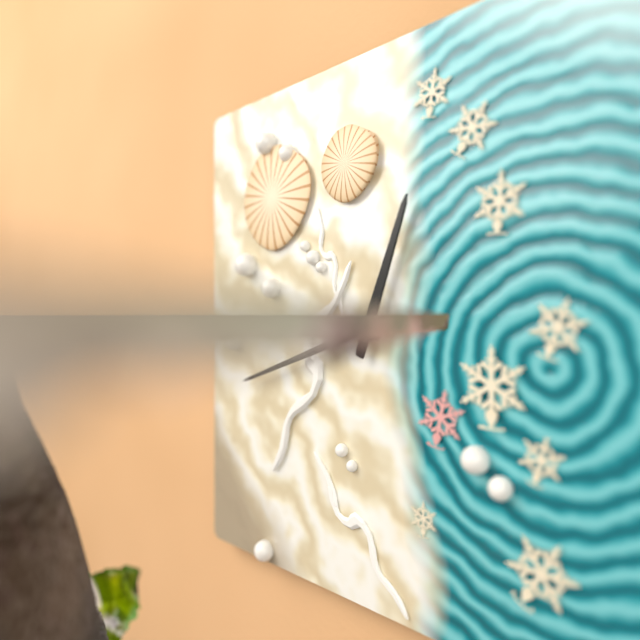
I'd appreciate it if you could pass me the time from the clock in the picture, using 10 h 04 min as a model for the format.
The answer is 12 h 42 min
